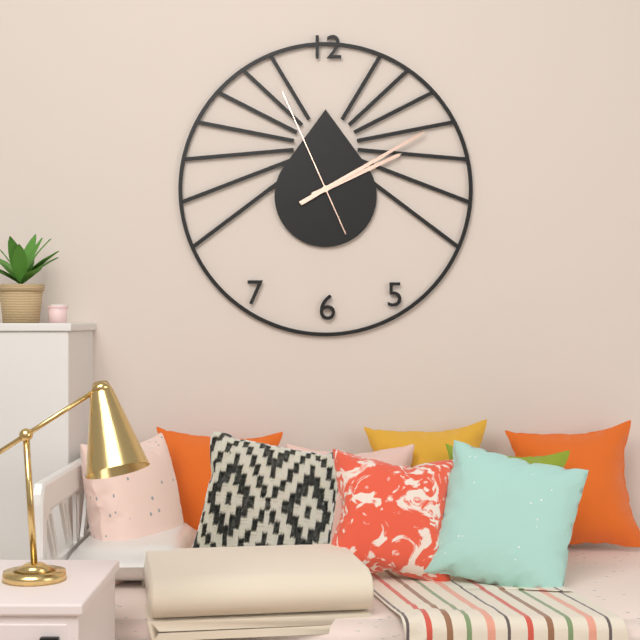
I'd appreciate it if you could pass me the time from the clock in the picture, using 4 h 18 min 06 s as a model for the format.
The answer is 2 h 10 min 56 s
